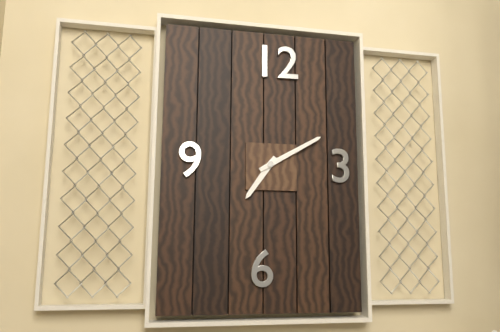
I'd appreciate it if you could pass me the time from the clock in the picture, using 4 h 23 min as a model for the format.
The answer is 7 h 10 min
